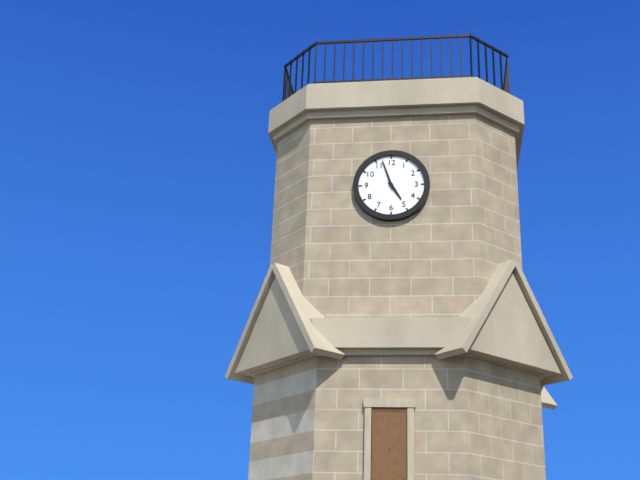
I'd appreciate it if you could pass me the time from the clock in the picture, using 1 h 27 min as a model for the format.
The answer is 4 h 57 min
